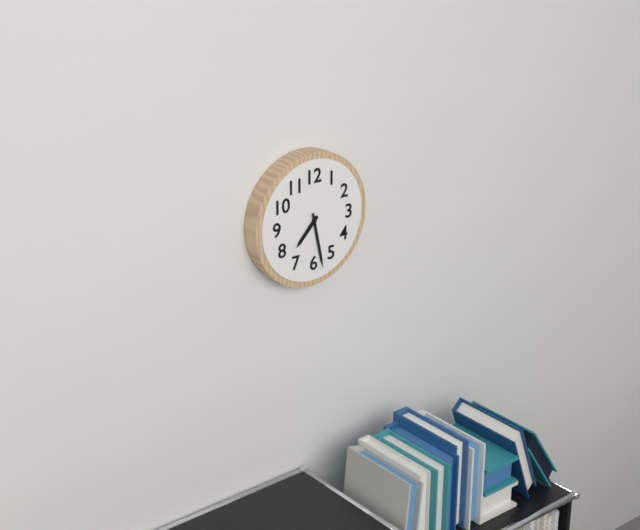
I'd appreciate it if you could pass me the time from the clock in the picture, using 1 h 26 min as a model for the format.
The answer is 7 h 28 min
